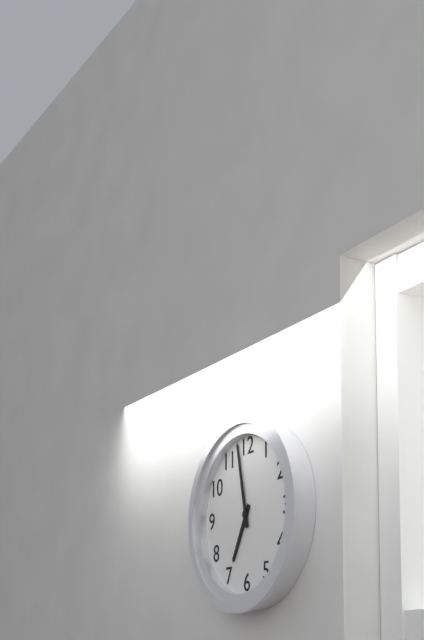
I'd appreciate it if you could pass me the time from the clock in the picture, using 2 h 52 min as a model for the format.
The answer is 6 h 58 min
